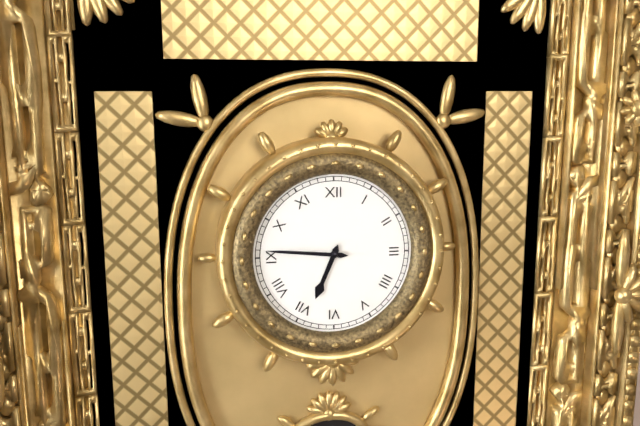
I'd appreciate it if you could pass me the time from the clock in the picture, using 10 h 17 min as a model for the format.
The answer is 6 h 46 min
